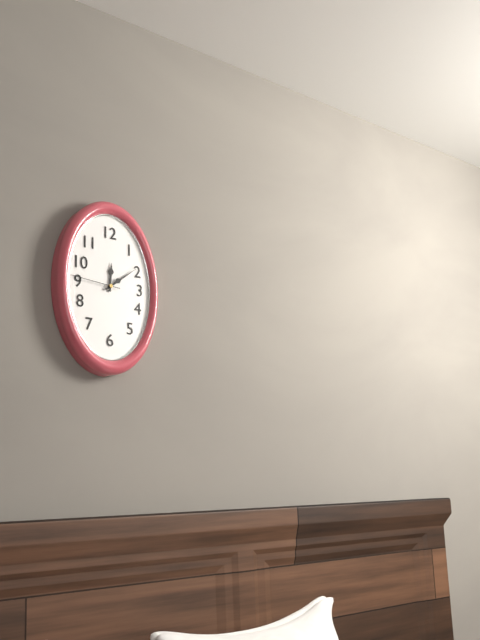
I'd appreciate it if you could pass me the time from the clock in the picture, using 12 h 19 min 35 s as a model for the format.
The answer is 12 h 09 min 46 s
